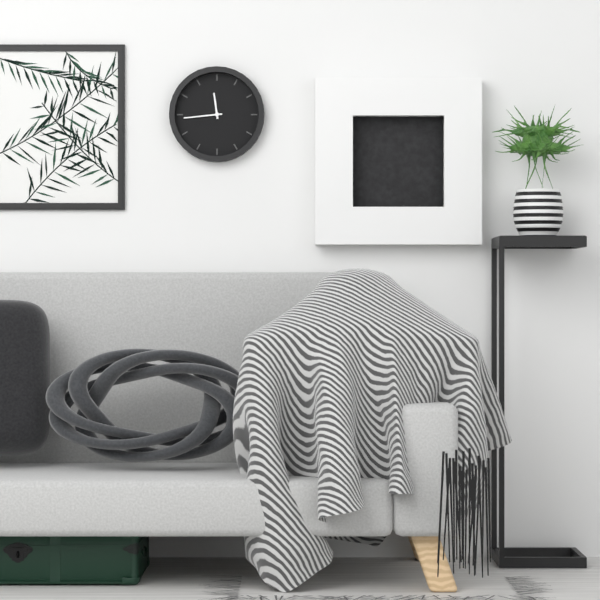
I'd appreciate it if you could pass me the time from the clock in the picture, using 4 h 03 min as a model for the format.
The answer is 11 h 44 min
